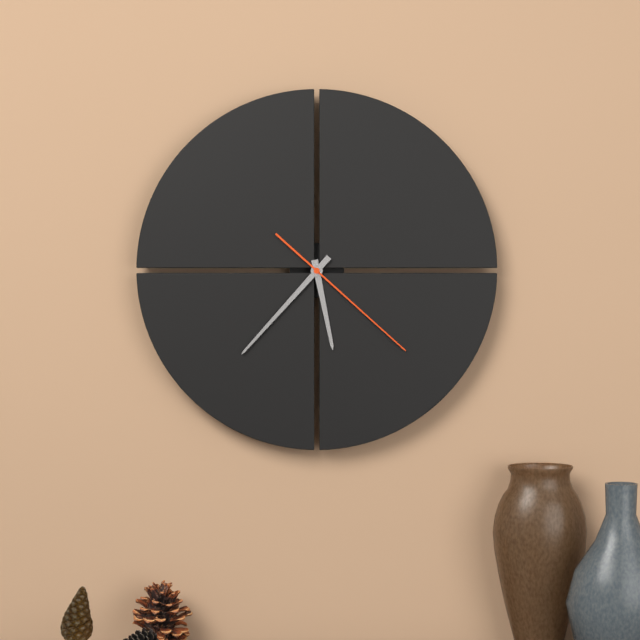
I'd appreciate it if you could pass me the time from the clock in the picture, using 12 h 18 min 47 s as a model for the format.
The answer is 5 h 37 min 22 s
